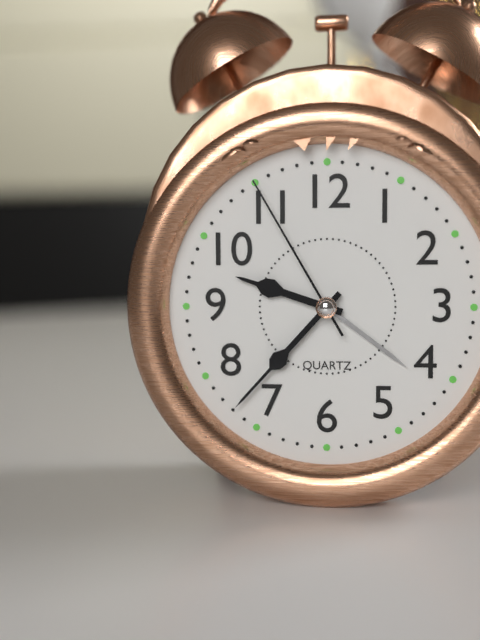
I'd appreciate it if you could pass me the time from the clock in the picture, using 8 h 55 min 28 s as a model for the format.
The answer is 9 h 37 min 55 s
